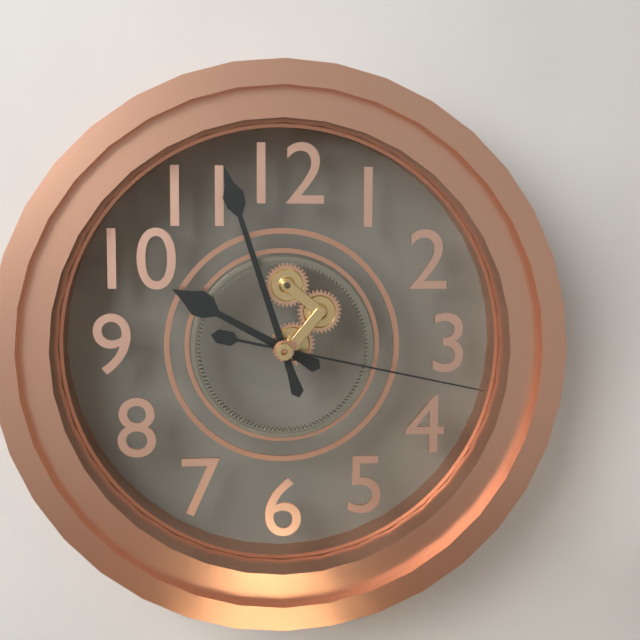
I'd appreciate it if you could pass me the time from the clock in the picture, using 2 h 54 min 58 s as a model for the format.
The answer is 9 h 57 min 17 s
